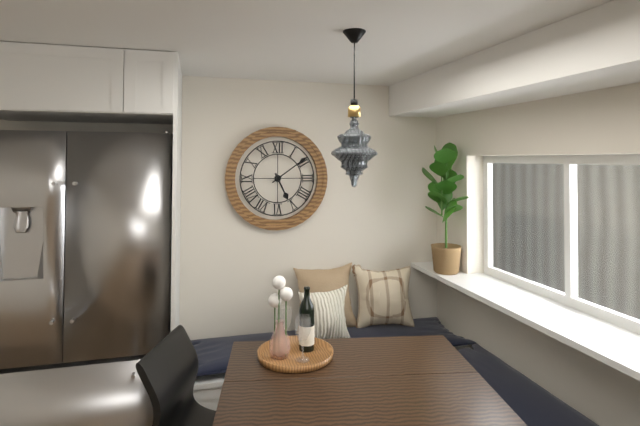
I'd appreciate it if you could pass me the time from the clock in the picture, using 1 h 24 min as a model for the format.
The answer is 5 h 09 min
